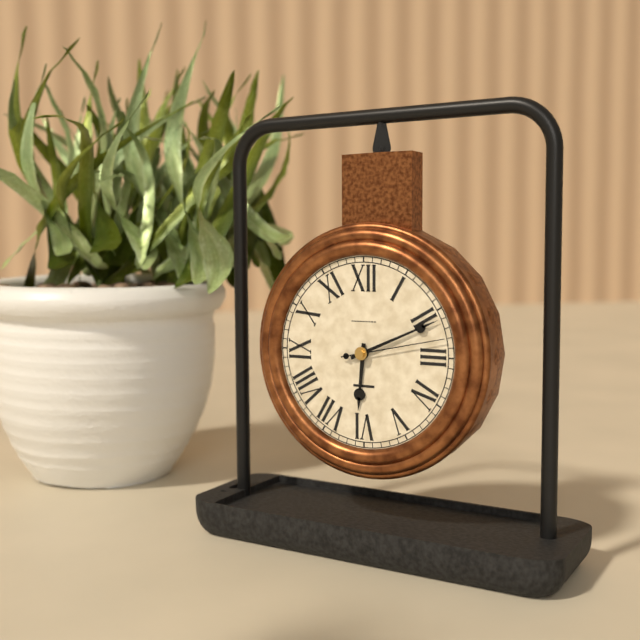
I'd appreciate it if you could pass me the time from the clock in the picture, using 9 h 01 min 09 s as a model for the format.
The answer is 6 h 11 min 13 s
